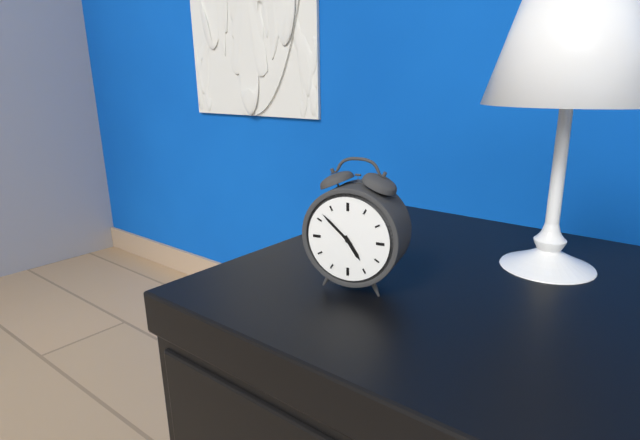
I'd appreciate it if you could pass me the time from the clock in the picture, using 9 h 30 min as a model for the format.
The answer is 4 h 52 min
